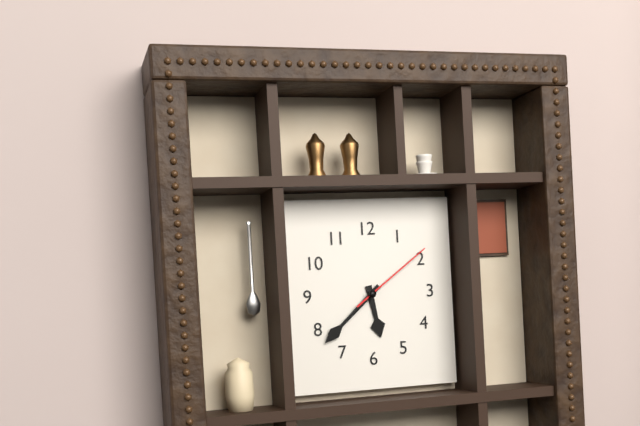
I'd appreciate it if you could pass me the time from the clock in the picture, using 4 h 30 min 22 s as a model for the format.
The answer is 5 h 38 min 09 s
